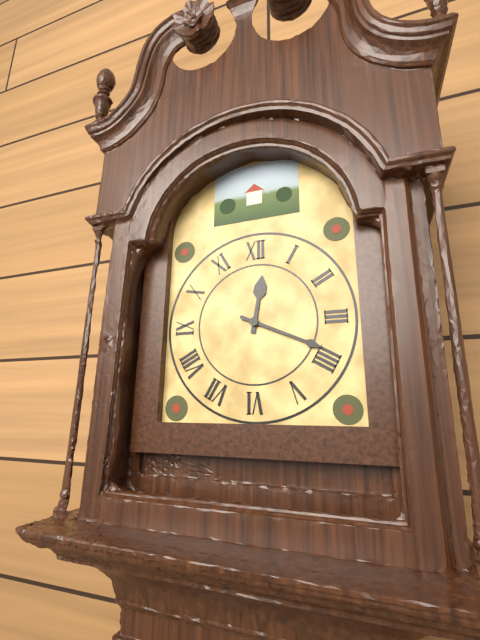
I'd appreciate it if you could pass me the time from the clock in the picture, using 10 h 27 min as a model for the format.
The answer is 12 h 19 min
